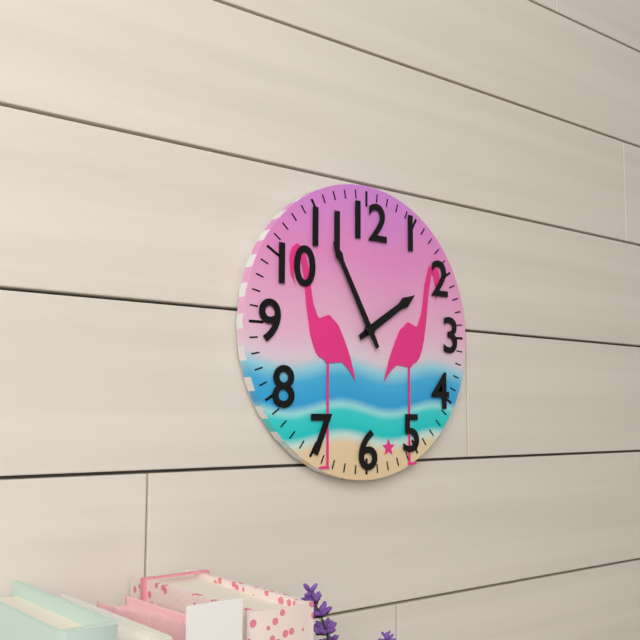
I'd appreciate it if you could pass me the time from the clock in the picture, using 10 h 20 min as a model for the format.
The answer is 1 h 55 min
